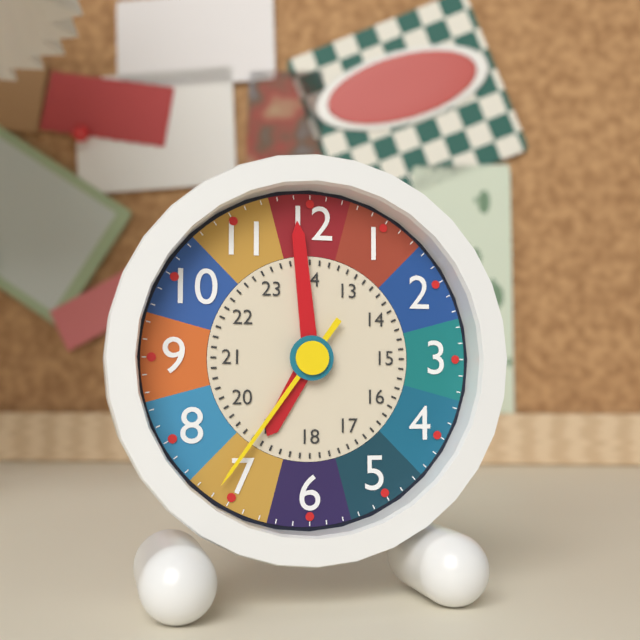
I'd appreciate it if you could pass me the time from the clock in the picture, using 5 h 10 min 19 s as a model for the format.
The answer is 6 h 59 min 36 s
